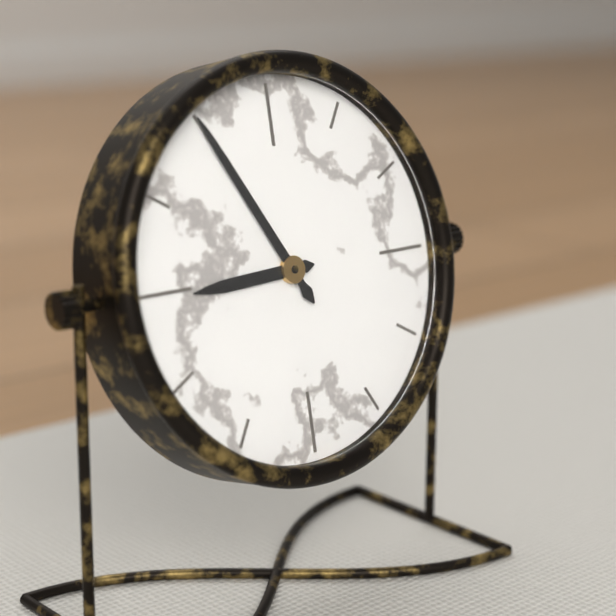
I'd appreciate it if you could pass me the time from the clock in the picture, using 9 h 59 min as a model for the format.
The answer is 8 h 55 min
